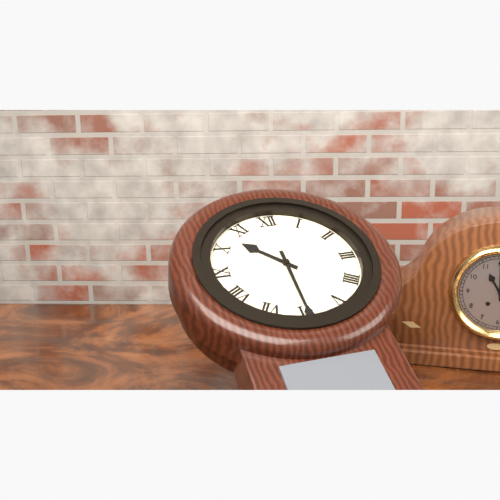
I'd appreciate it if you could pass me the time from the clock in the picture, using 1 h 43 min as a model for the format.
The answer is 10 h 30 min
